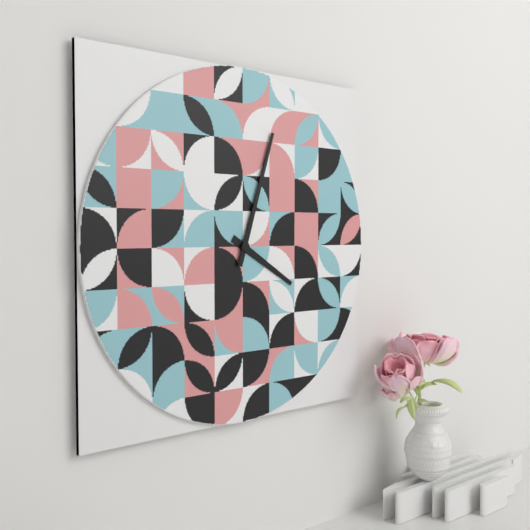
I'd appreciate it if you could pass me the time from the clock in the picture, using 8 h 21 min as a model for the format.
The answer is 4 h 03 min
